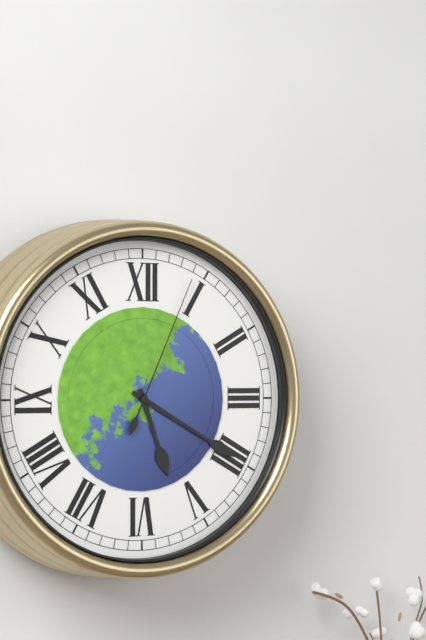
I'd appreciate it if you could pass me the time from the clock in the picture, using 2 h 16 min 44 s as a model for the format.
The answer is 5 h 20 min 04 s
